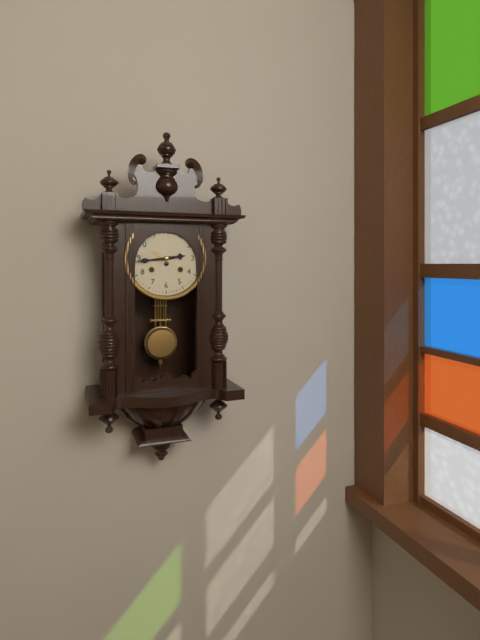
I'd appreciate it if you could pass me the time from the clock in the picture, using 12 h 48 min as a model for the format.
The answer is 2 h 44 min
